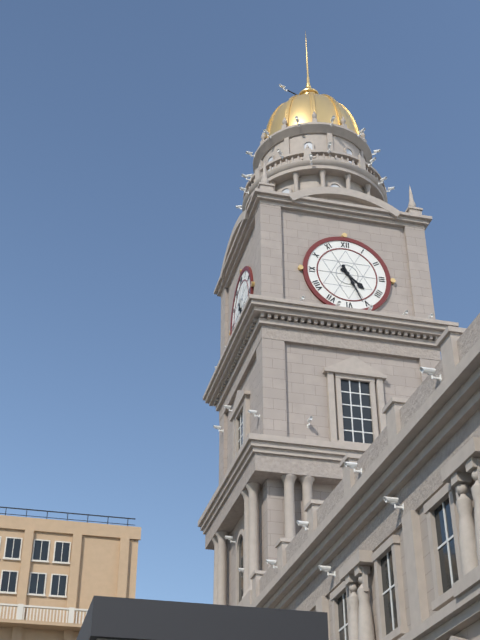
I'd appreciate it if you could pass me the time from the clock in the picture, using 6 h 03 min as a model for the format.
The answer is 4 h 26 min
